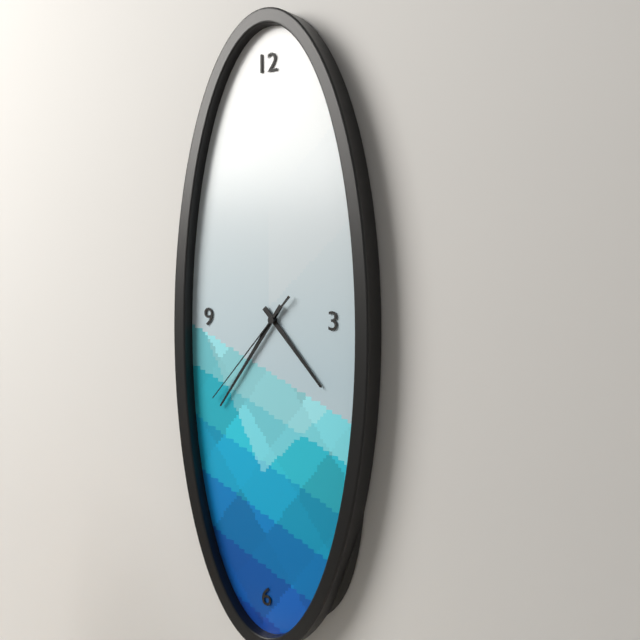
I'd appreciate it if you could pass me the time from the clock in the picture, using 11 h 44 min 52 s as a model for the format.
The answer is 4 h 36 min 37 s
